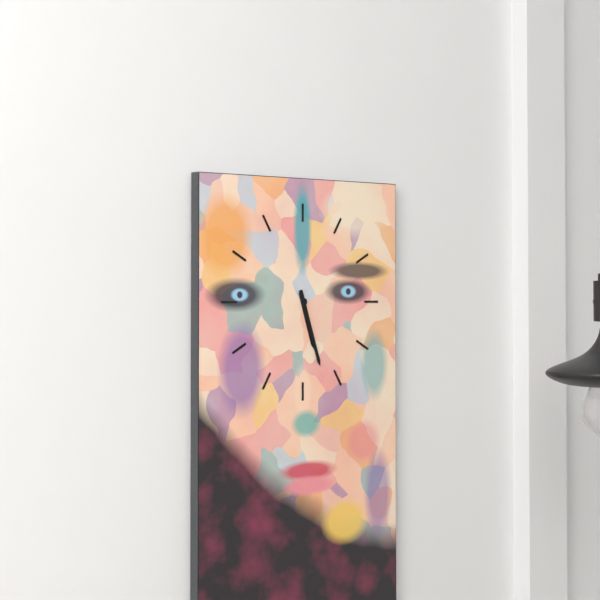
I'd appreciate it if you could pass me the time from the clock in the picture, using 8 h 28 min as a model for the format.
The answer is 5 h 27 min
